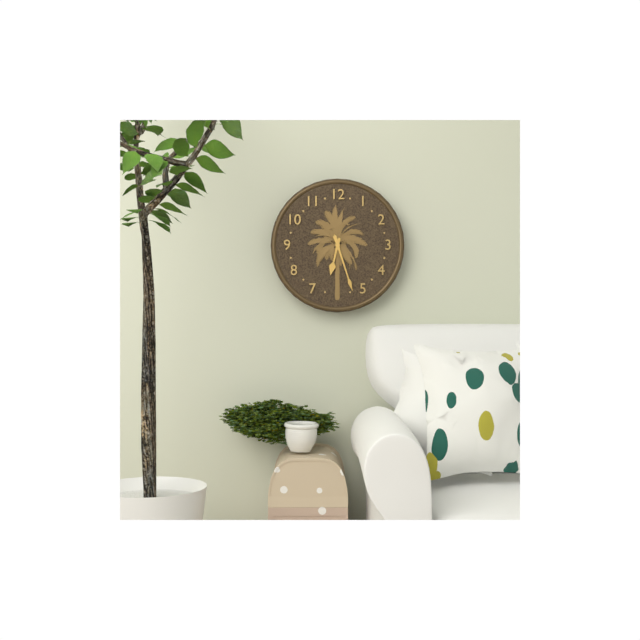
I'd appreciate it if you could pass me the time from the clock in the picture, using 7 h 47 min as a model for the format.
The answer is 6 h 27 min
